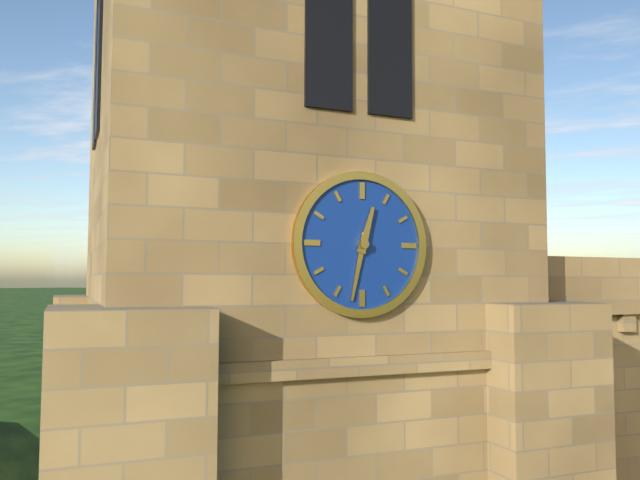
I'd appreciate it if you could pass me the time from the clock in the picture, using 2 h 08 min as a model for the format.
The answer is 12 h 32 min
